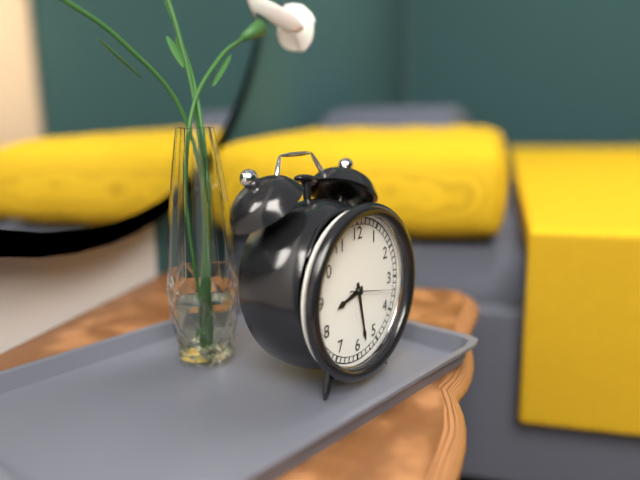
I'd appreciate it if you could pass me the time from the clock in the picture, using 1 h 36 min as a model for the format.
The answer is 8 h 28 min
